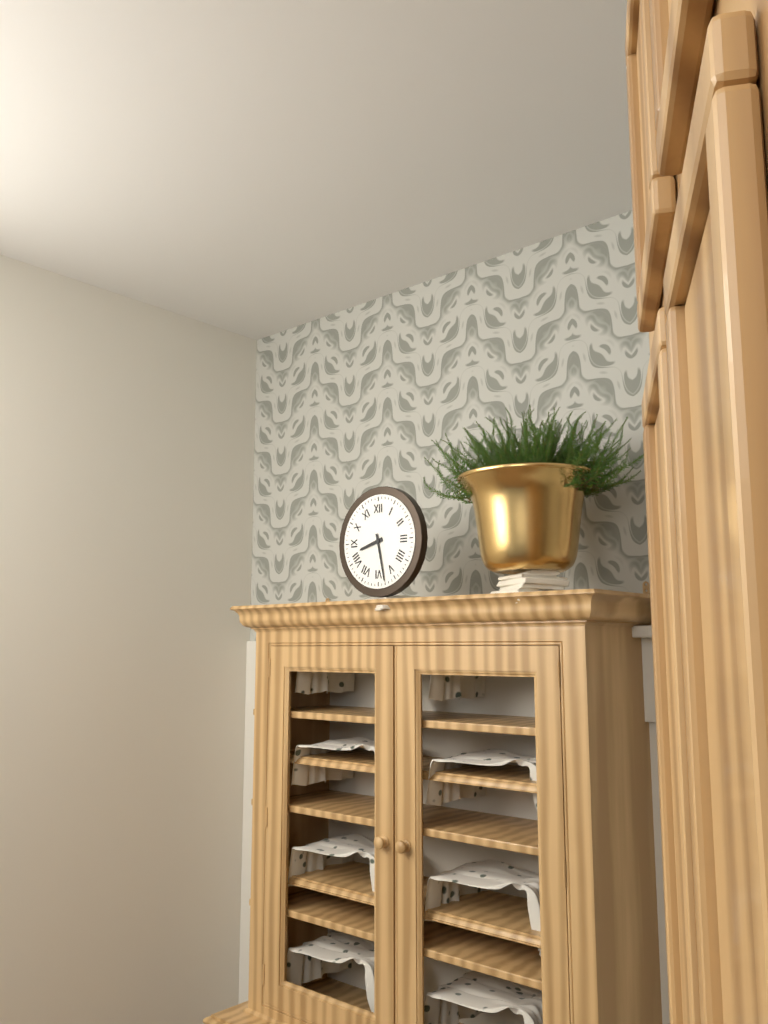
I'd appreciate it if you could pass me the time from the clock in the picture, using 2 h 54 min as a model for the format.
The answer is 8 h 28 min
